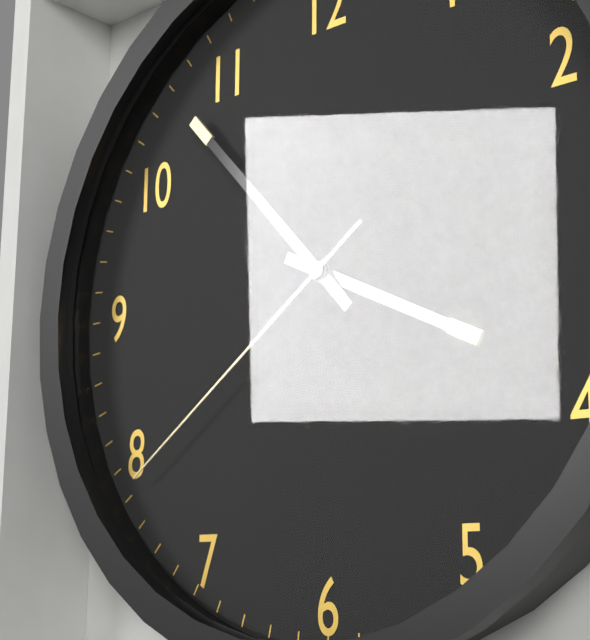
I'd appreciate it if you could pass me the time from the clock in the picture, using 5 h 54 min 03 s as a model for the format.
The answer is 3 h 53 min 39 s
